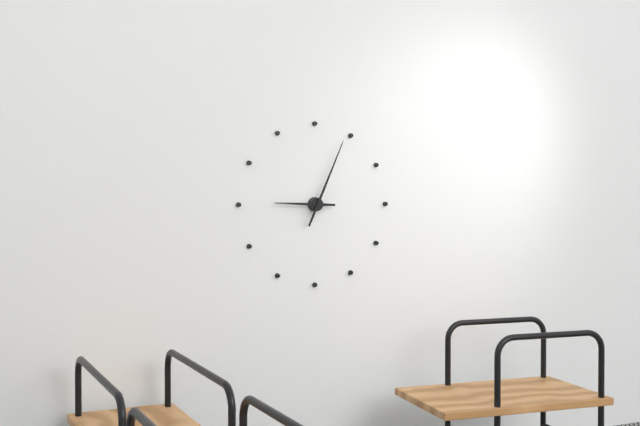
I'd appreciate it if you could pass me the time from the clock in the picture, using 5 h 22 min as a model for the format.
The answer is 9 h 04 min
